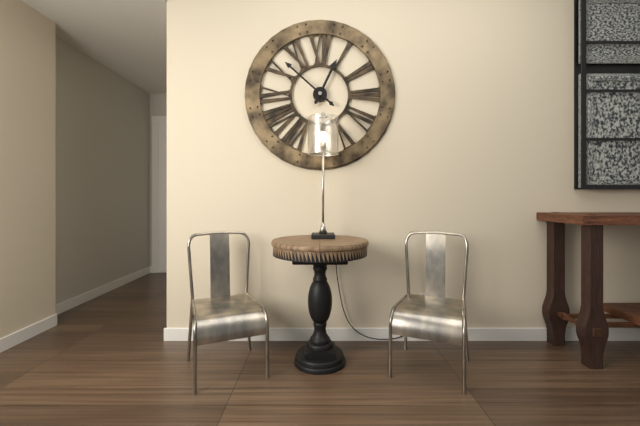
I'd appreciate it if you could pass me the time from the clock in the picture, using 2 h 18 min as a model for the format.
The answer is 12 h 52 min
